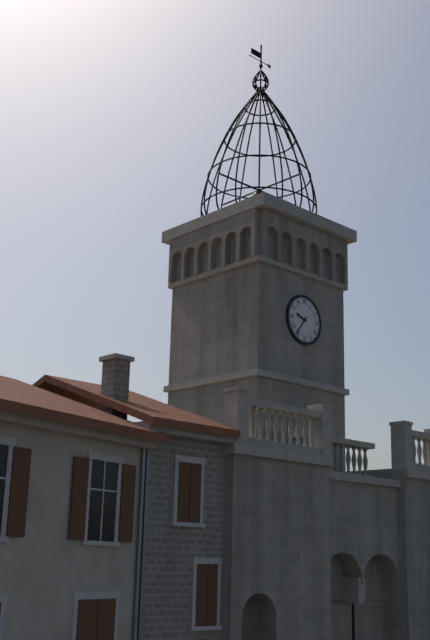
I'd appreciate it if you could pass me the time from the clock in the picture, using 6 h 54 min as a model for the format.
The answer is 9 h 36 min
